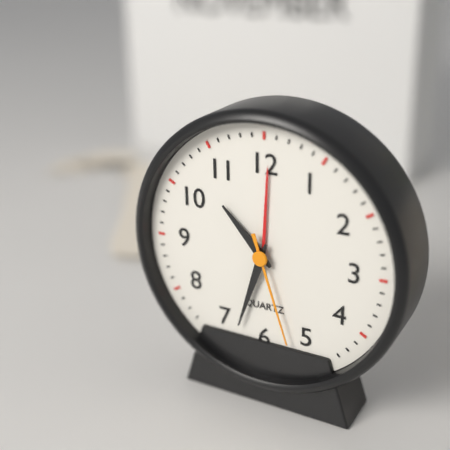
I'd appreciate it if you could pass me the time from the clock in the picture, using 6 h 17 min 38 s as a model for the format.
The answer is 10 h 33 min 27 s
